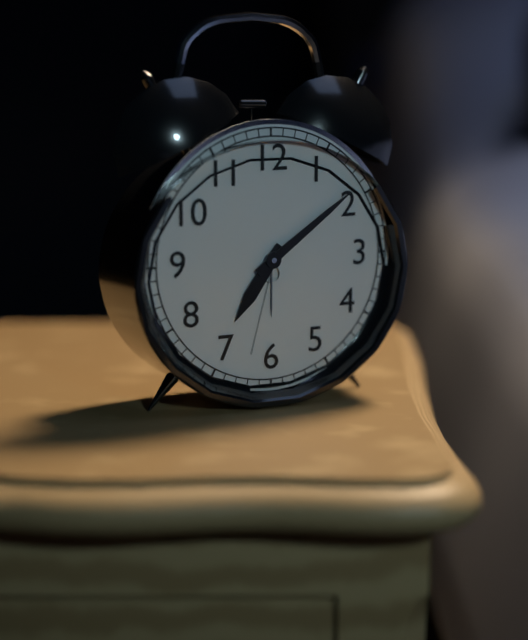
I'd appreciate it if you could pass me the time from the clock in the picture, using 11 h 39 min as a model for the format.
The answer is 7 h 09 min
